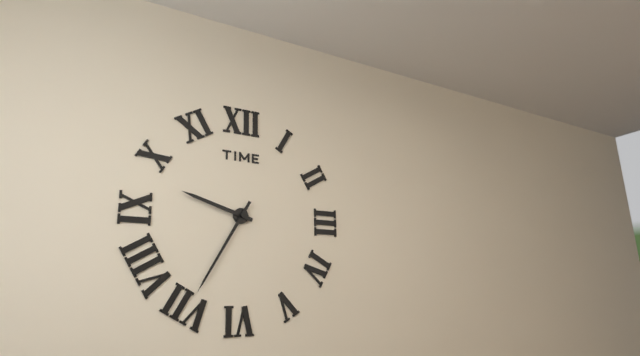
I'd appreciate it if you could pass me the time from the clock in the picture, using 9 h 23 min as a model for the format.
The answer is 9 h 35 min
